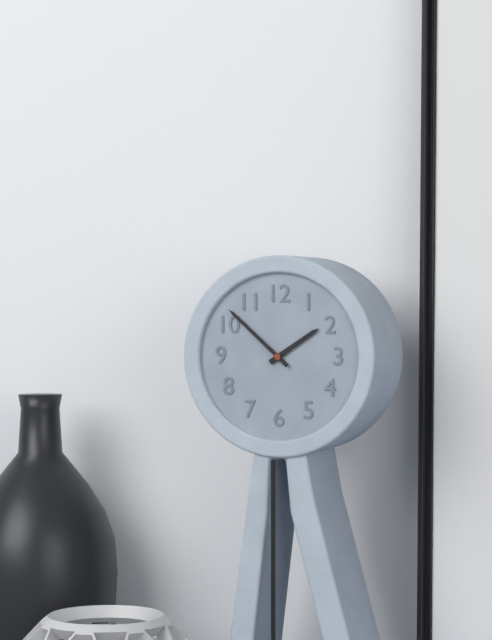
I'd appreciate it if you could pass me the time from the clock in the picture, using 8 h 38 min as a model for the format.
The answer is 1 h 52 min
